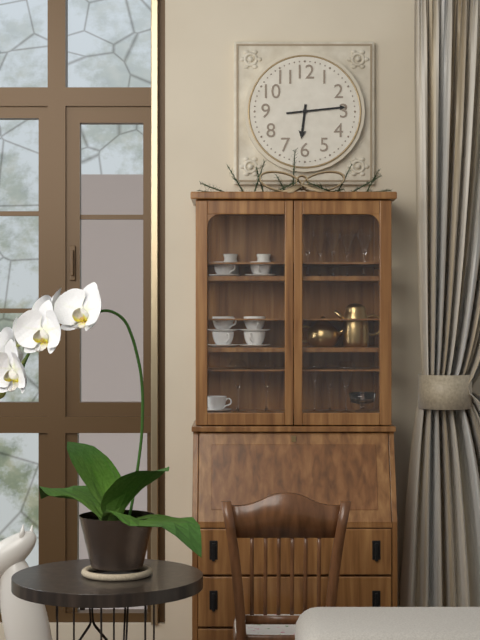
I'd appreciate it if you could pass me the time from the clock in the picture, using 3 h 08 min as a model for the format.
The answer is 6 h 14 min
